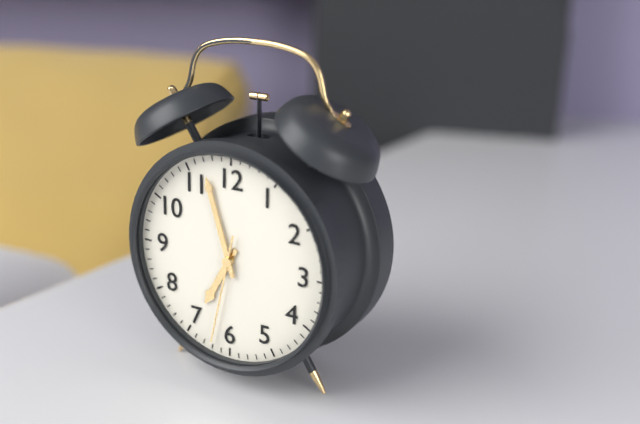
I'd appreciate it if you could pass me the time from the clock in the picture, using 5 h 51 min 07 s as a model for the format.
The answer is 6 h 57 min 32 s
